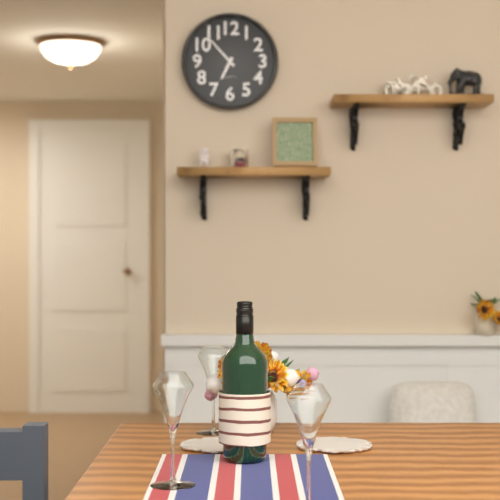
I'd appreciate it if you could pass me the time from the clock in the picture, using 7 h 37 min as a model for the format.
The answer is 6 h 53 min
